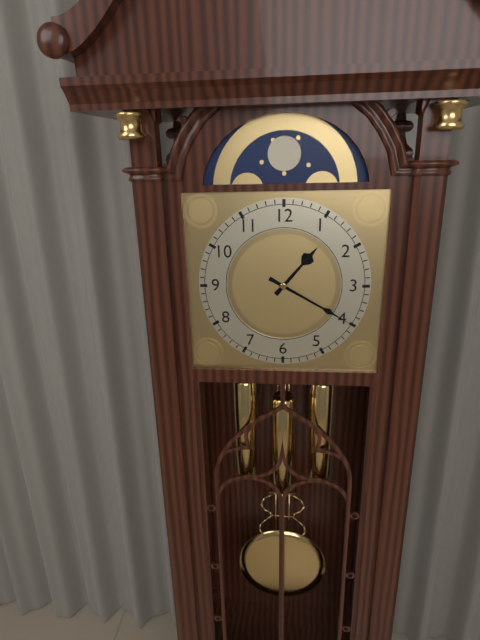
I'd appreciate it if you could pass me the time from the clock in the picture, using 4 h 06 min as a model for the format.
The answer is 1 h 20 min
